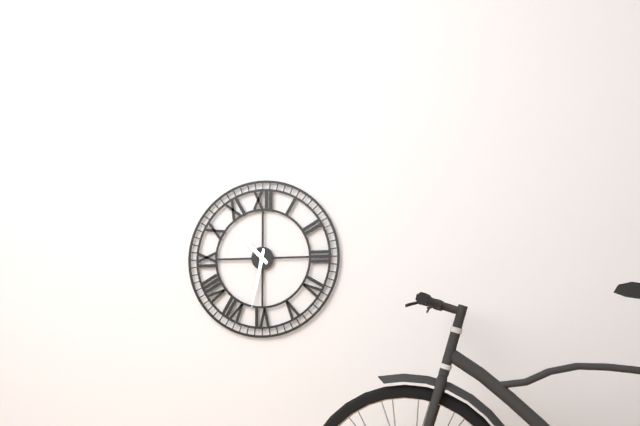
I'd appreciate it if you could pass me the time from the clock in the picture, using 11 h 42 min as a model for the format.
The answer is 10 h 32 min
